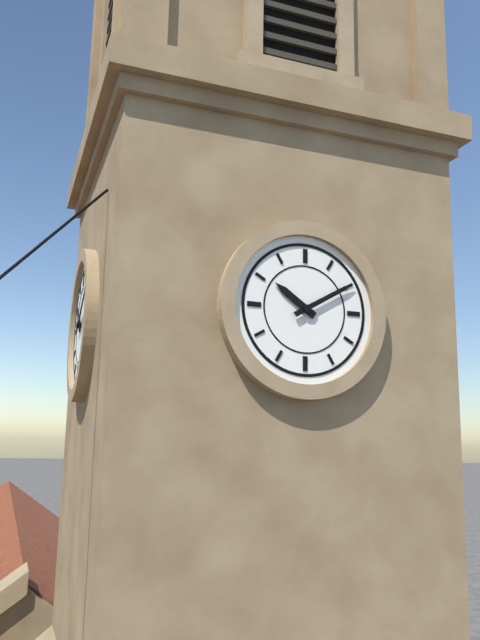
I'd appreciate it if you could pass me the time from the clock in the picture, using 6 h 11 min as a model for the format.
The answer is 10 h 10 min
